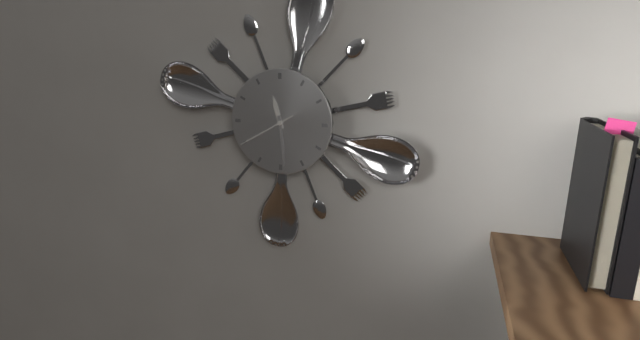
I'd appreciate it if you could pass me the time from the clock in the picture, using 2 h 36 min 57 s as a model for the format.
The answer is 11 h 29 min 40 s
